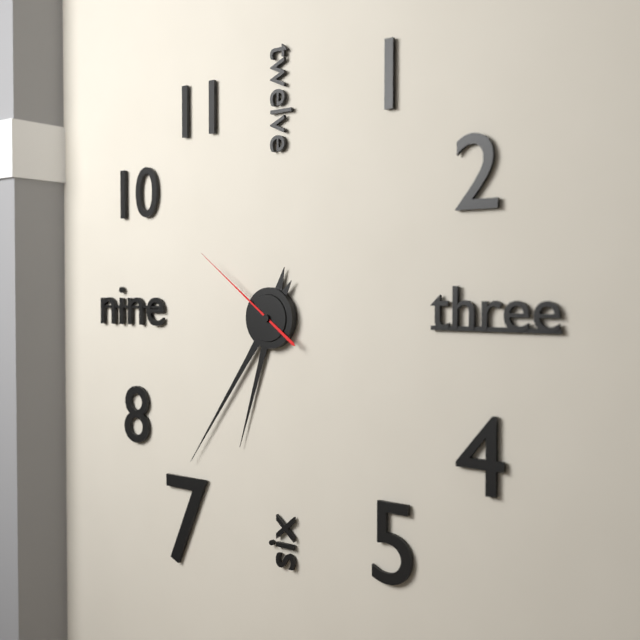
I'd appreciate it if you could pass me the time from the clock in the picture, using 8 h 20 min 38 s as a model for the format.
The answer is 6 h 36 min 51 s
